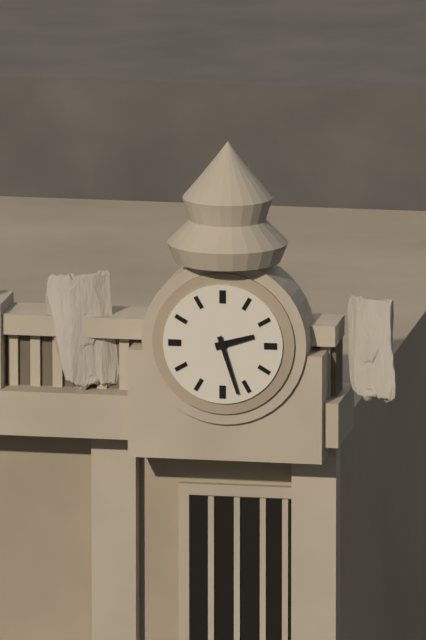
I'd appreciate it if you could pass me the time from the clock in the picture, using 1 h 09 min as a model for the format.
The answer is 2 h 27 min
